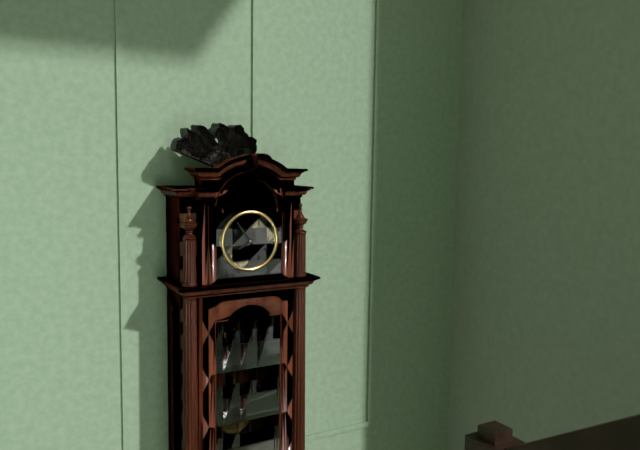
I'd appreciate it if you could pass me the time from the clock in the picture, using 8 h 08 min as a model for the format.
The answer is 7 h 54 min
